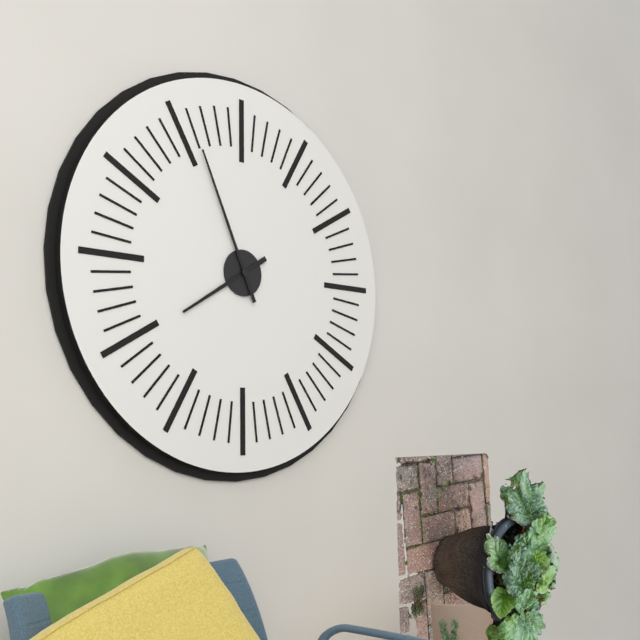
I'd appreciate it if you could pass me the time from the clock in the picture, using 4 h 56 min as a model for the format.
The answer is 7 h 56 min
